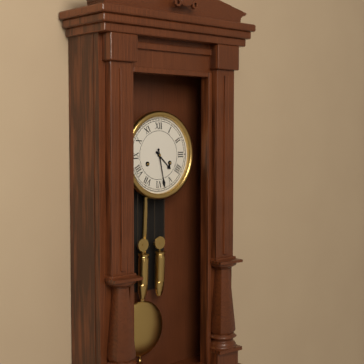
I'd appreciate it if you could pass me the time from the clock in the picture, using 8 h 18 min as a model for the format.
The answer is 4 h 28 min
